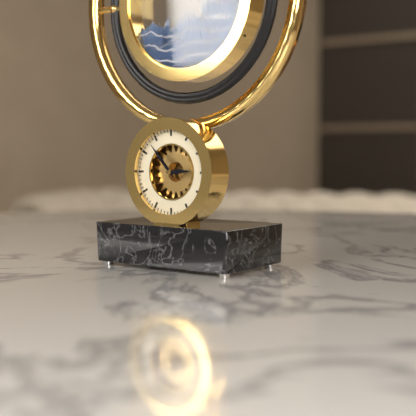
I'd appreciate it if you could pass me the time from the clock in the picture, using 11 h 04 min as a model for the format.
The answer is 2 h 53 min
